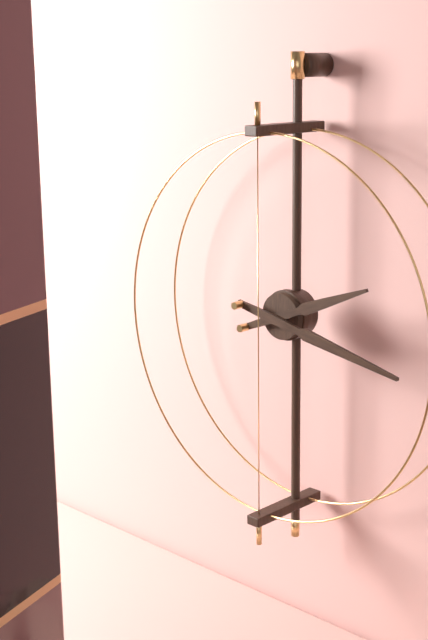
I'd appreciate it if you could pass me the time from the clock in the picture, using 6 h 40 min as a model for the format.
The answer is 2 h 17 min
